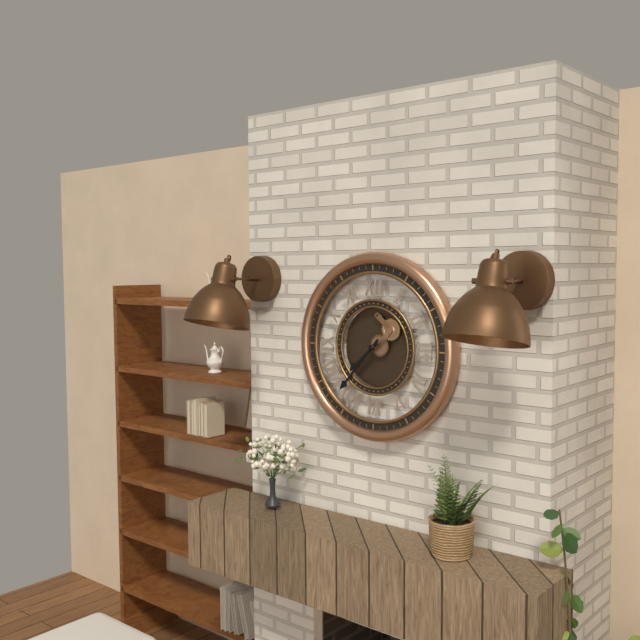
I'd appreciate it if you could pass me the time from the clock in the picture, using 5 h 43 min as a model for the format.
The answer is 7 h 37 min
